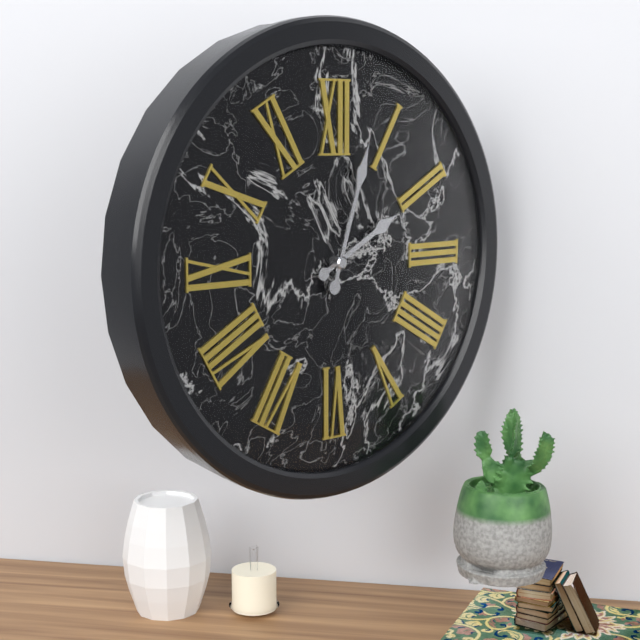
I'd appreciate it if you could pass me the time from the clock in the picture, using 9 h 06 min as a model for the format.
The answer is 2 h 03 min
